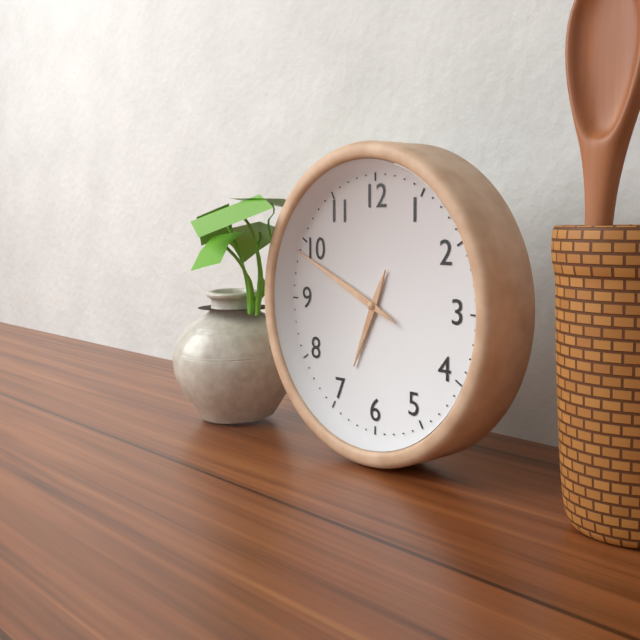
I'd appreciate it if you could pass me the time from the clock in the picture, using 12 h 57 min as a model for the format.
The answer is 6 h 49 min
